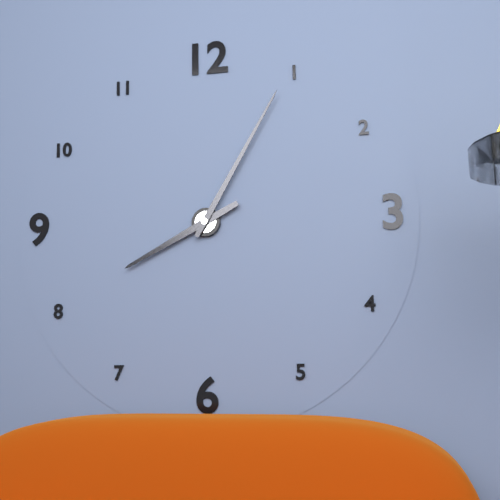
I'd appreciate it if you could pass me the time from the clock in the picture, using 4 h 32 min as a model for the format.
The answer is 8 h 05 min
